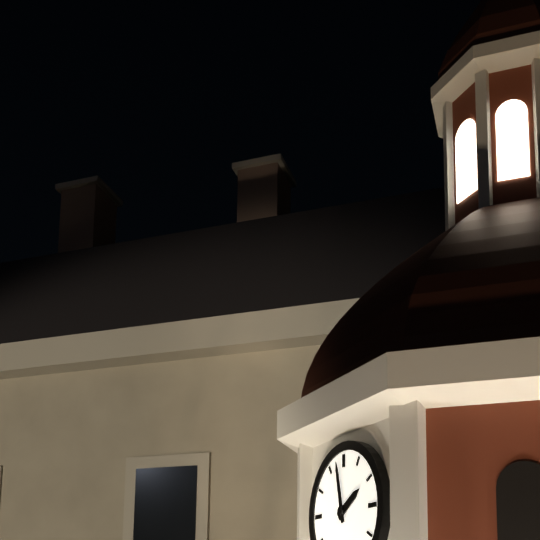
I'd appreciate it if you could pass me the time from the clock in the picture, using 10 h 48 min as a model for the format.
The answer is 1 h 58 min
